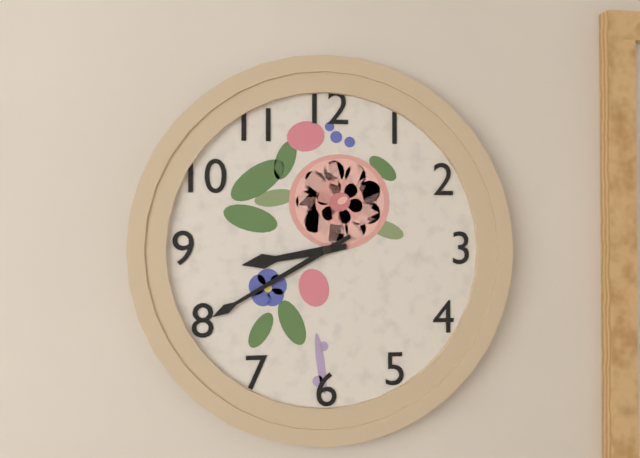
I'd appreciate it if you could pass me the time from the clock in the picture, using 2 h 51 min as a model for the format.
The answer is 8 h 40 min
